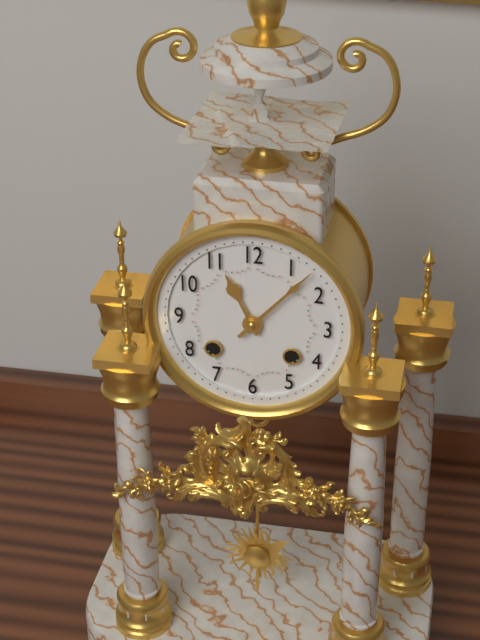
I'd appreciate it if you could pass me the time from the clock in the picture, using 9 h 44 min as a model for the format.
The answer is 11 h 07 min
